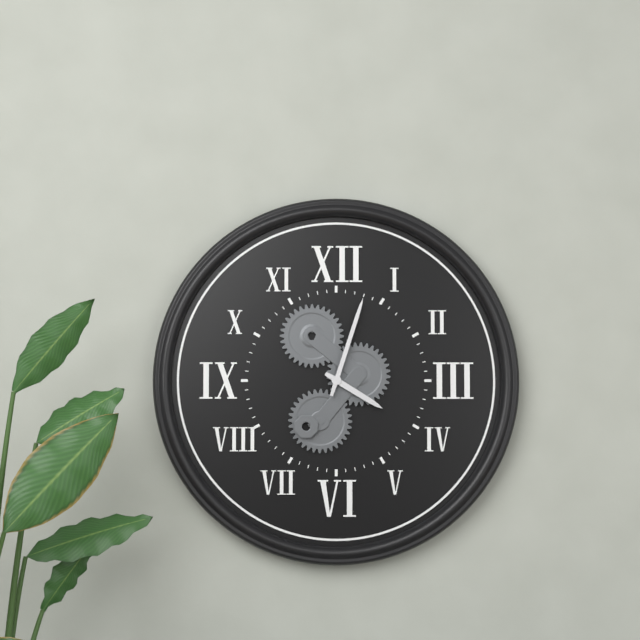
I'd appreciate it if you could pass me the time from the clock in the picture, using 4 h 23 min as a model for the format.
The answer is 4 h 03 min
